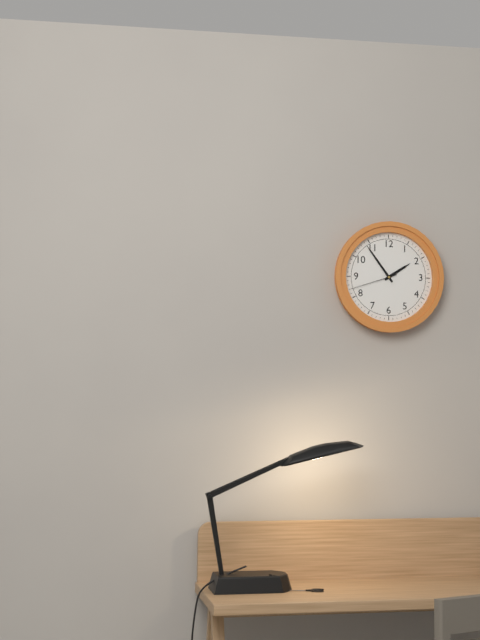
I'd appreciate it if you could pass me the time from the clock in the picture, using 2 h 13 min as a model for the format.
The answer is 1 h 54 min
